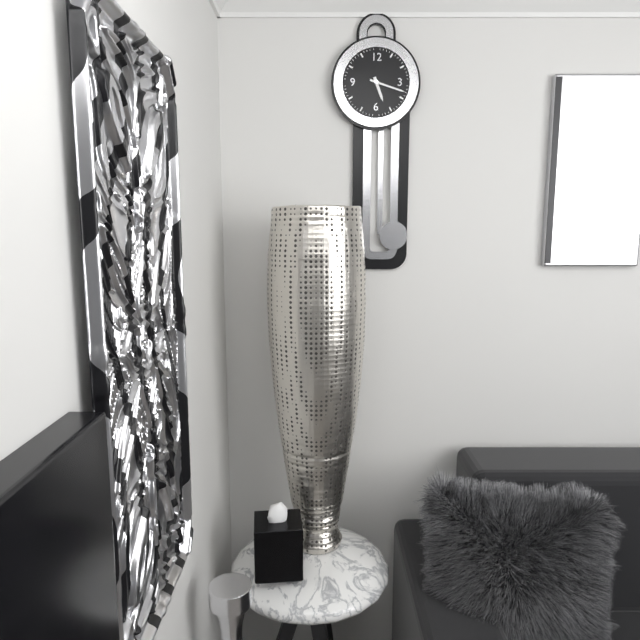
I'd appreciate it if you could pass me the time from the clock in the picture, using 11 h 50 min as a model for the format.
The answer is 5 h 18 min
